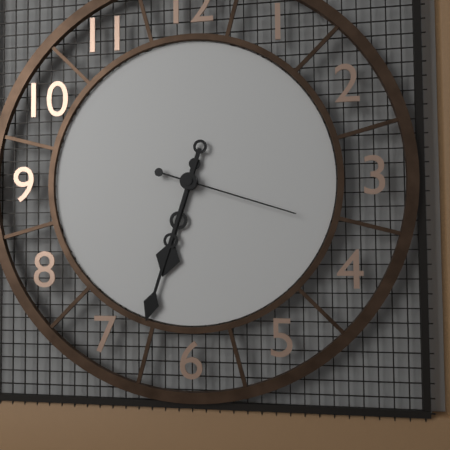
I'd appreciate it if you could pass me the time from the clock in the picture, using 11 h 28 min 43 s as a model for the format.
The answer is 6 h 33 min 18 s
